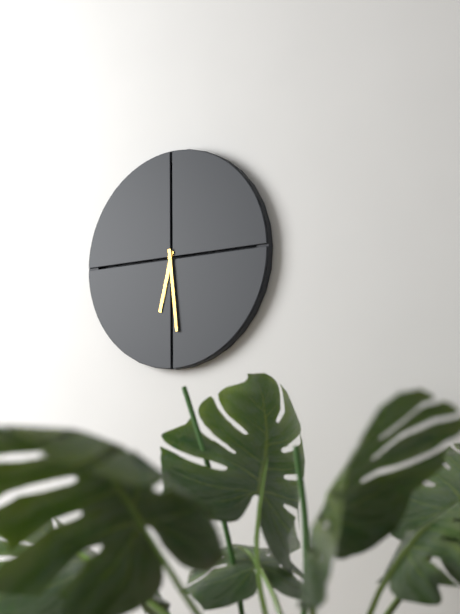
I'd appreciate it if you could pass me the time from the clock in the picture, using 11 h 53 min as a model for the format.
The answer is 6 h 29 min
